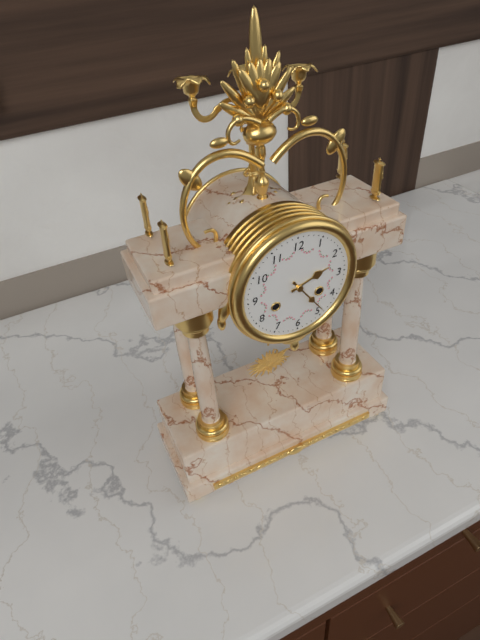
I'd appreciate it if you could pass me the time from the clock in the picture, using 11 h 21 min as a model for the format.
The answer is 2 h 24 min
